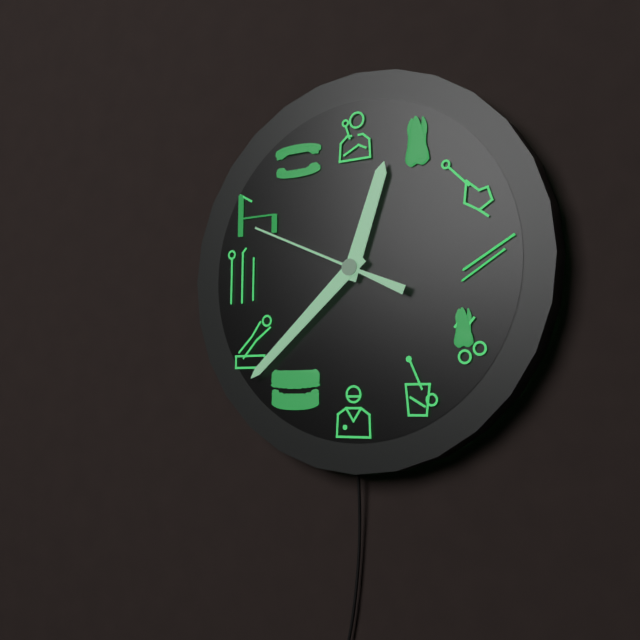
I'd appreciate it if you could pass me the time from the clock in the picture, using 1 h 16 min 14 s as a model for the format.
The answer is 12 h 38 min 49 s
